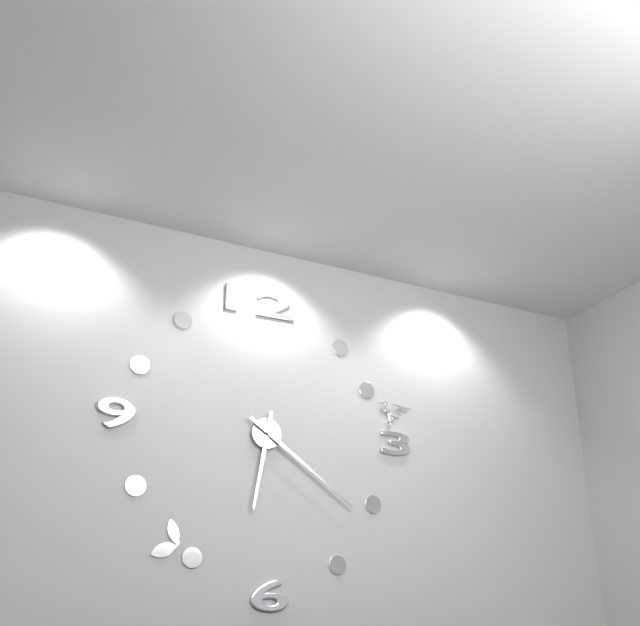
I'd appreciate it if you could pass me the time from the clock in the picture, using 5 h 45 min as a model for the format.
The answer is 6 h 21 min
